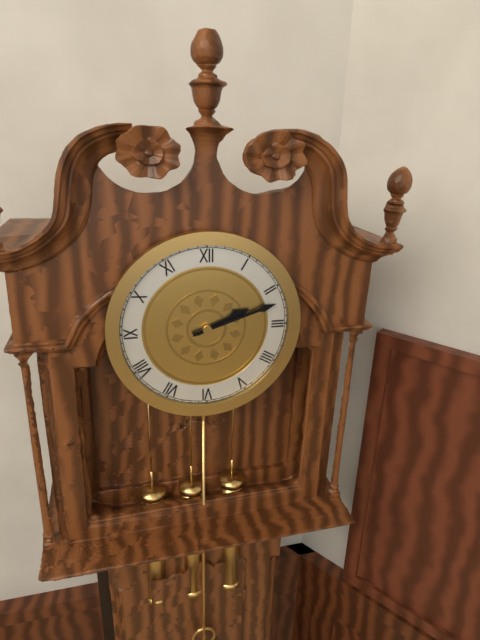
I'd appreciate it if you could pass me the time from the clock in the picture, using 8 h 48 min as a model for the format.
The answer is 2 h 12 min
